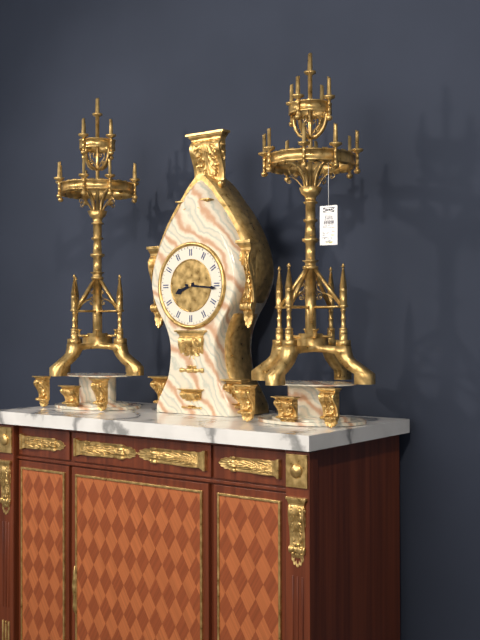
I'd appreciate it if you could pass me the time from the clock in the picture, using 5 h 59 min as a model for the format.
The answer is 8 h 16 min
